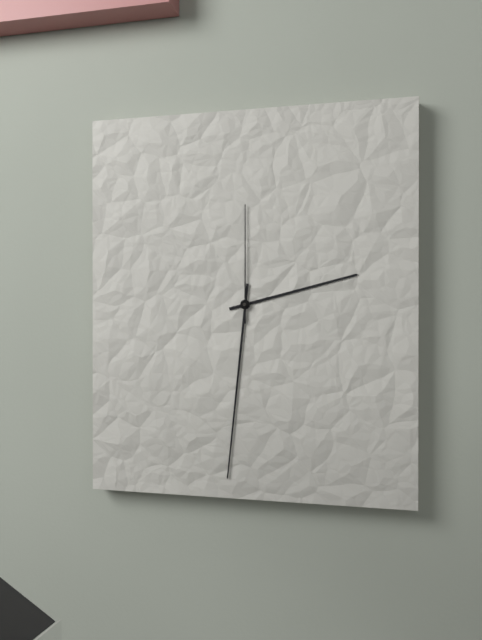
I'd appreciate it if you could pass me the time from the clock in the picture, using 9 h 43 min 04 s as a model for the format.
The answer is 2 h 31 min 00 s
